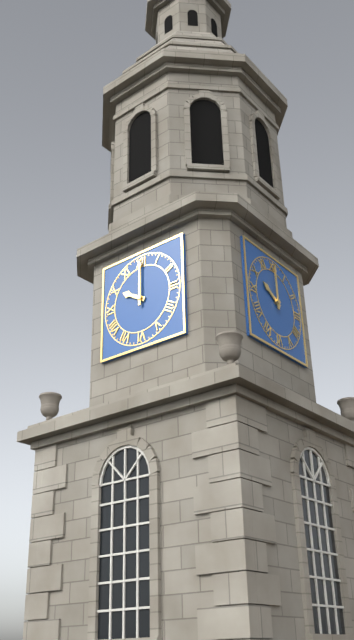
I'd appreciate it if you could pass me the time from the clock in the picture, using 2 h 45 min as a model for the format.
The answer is 10 h 00 min
